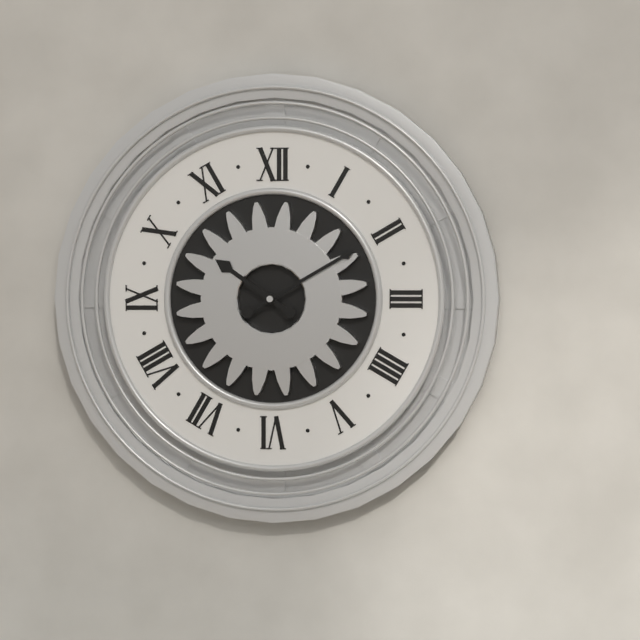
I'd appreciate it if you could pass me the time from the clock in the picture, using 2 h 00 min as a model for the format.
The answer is 10 h 10 min
